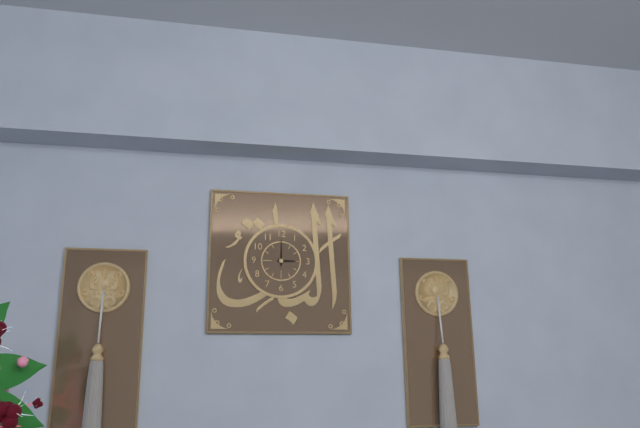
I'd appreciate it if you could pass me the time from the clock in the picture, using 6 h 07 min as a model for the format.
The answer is 3 h 00 min
